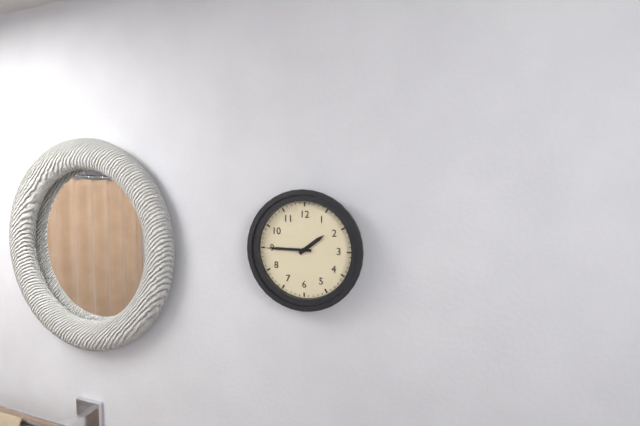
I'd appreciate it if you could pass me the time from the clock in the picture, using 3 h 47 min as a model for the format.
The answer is 1 h 45 min
